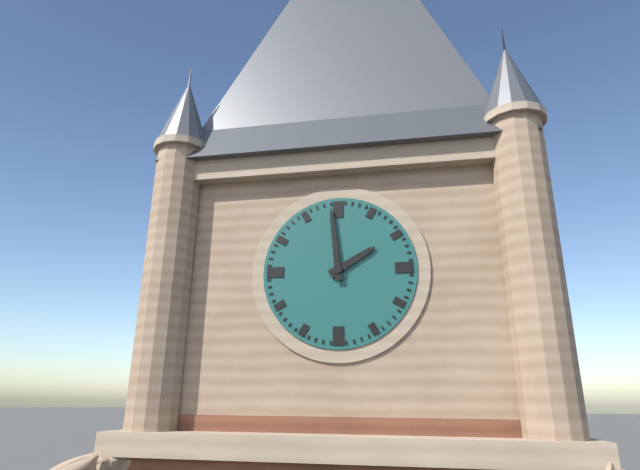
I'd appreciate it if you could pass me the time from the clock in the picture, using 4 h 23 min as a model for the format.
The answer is 1 h 59 min
